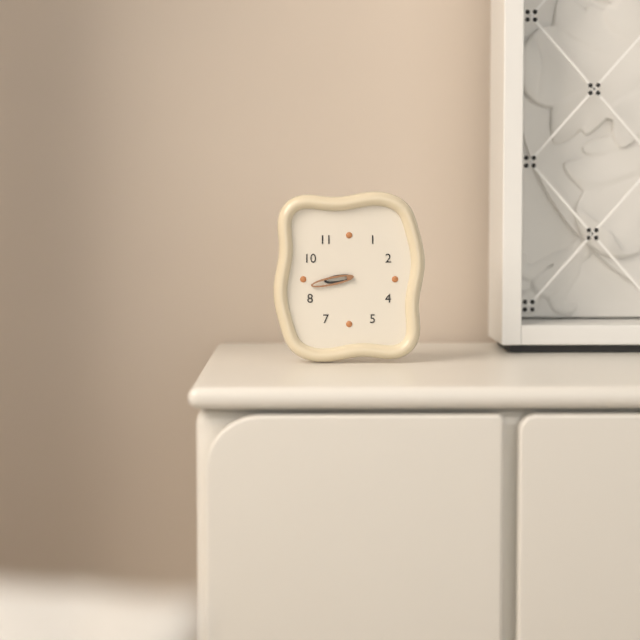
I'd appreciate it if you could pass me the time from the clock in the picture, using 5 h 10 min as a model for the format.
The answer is 8 h 43 min
